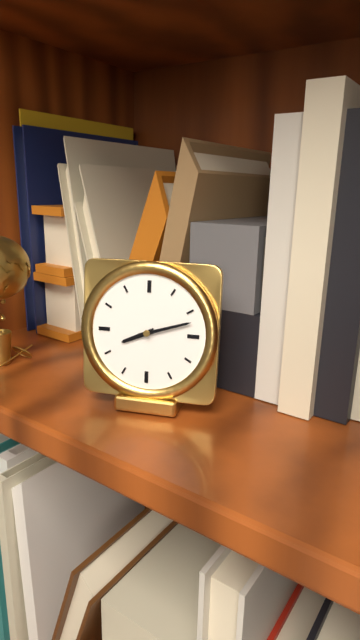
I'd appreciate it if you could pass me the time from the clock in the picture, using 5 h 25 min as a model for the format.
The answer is 8 h 12 min
